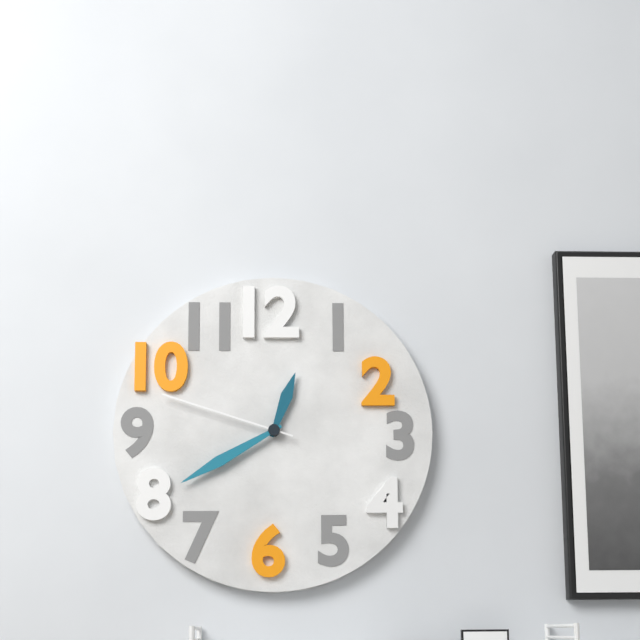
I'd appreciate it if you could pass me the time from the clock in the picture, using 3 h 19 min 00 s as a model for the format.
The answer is 12 h 40 min 48 s
